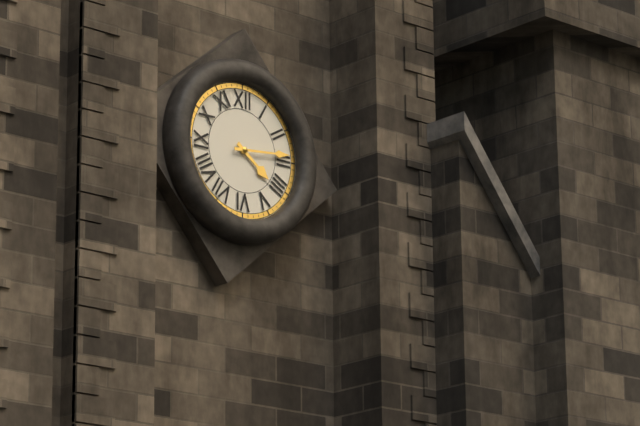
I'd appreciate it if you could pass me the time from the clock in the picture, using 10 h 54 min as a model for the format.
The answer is 4 h 14 min
